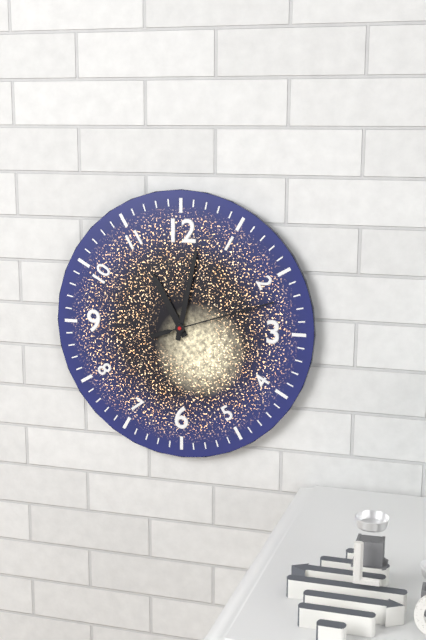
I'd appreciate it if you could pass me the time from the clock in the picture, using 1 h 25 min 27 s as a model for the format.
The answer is 11 h 02 min 12 s
